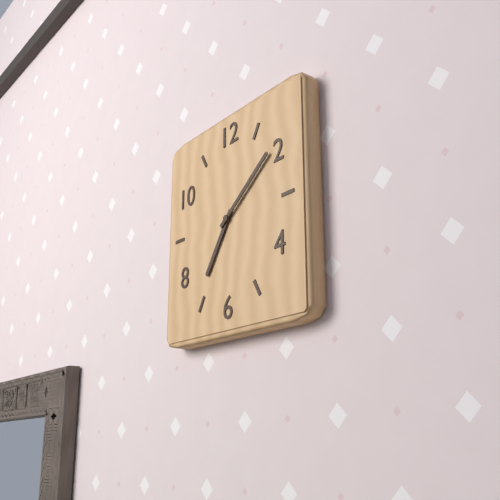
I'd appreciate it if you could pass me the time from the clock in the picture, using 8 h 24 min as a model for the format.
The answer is 7 h 09 min
